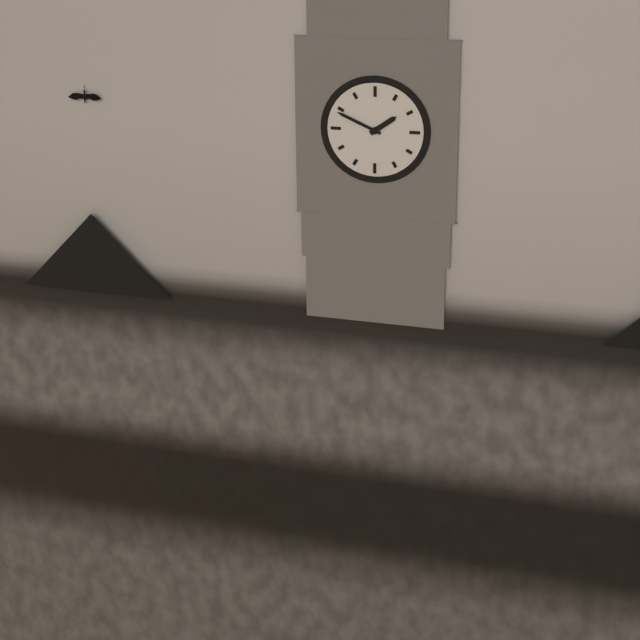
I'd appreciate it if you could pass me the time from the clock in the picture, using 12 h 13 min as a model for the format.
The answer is 1 h 49 min
